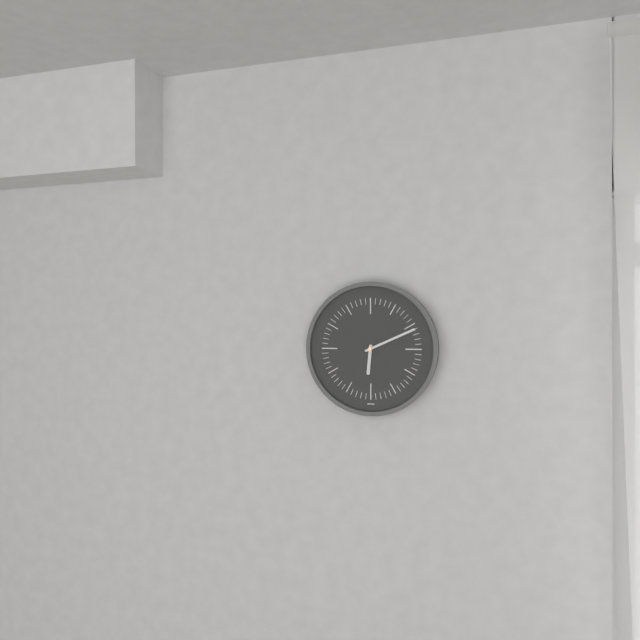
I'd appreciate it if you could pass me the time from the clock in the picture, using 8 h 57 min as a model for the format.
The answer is 6 h 11 min
